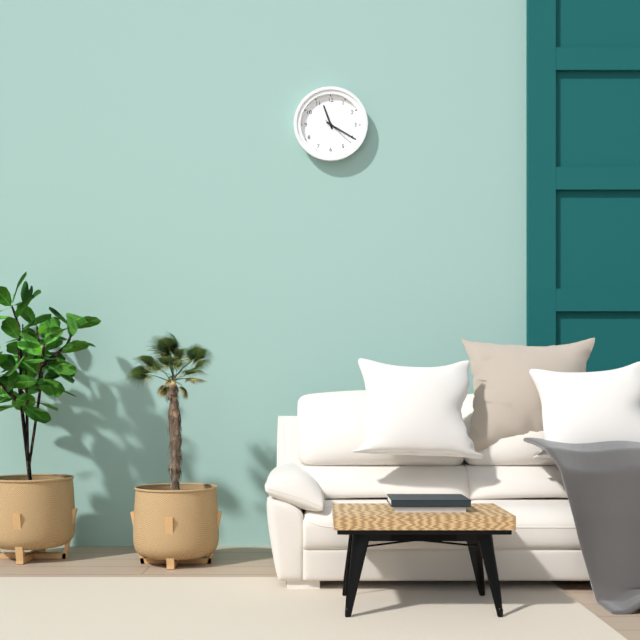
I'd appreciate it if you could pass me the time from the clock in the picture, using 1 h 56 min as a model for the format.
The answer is 11 h 20 min
